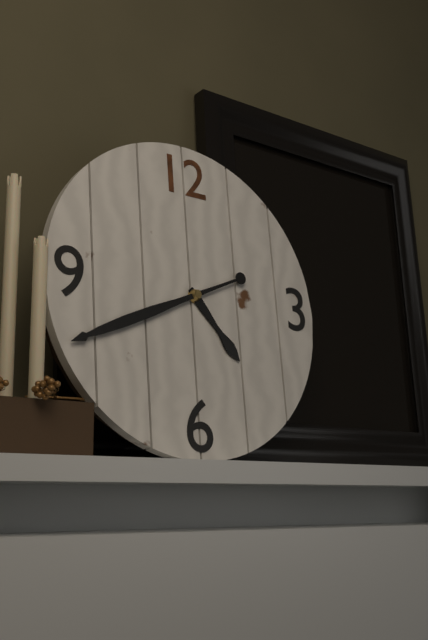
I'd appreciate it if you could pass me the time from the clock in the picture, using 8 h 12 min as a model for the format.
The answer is 4 h 41 min
